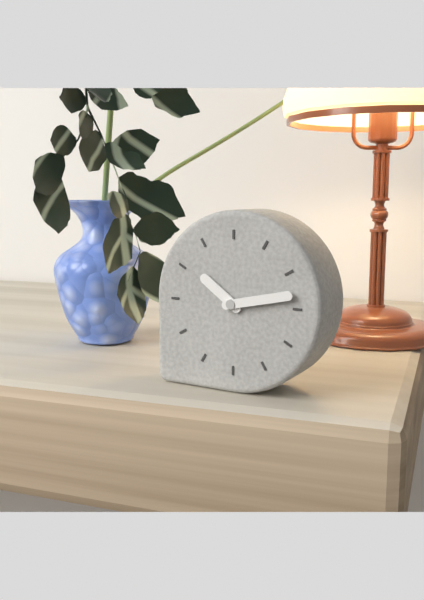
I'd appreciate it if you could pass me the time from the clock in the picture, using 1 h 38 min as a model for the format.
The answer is 10 h 13 min
